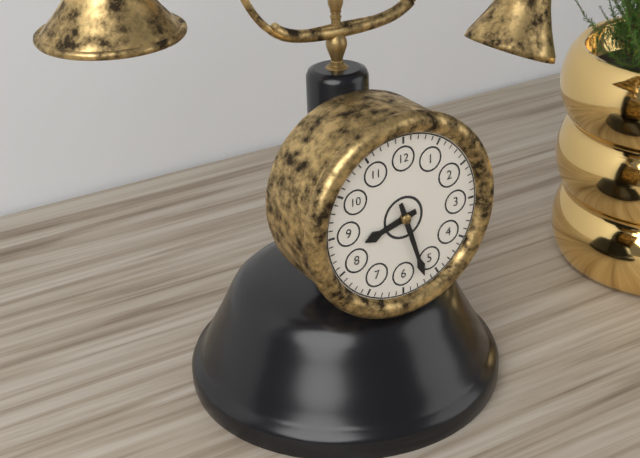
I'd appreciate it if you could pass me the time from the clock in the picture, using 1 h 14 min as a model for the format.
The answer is 8 h 27 min
